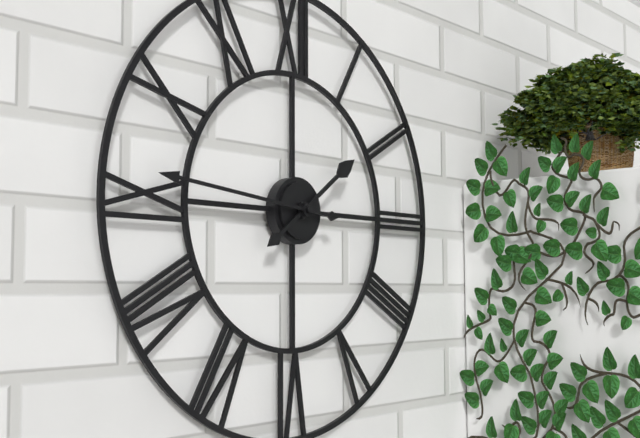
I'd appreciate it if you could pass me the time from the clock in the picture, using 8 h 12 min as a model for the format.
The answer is 1 h 46 min
